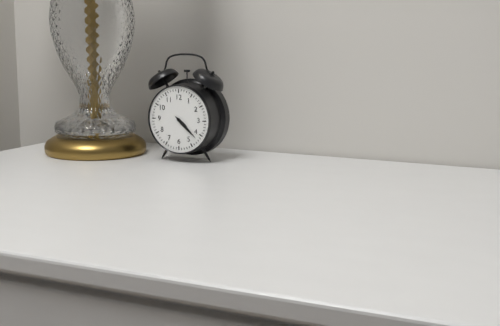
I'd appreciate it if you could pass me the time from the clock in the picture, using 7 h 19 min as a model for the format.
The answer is 4 h 22 min
